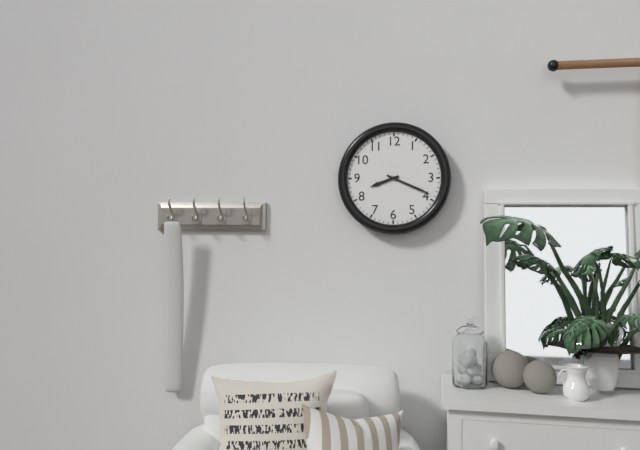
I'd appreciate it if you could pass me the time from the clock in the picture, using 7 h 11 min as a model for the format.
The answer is 8 h 19 min
